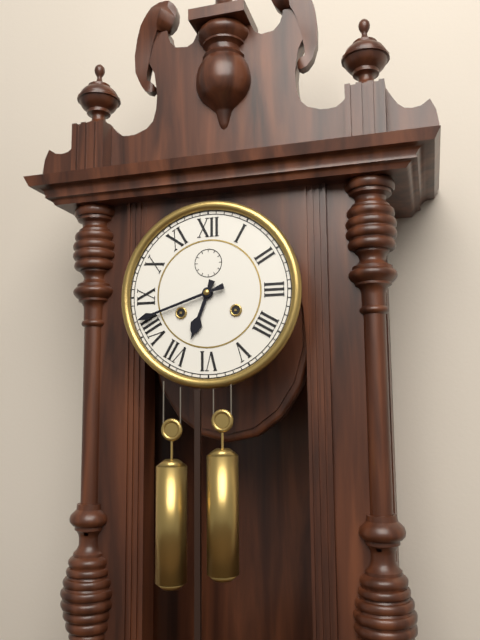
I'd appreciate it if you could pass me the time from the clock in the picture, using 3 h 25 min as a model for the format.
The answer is 6 h 42 min
